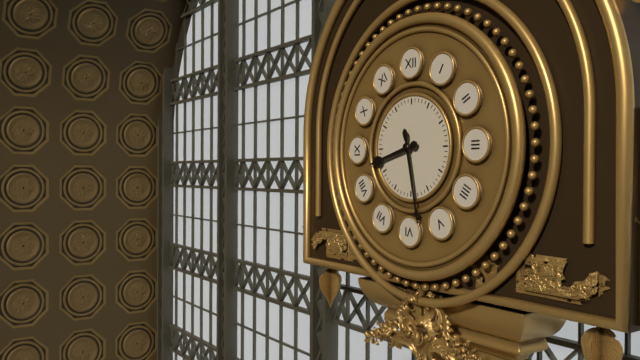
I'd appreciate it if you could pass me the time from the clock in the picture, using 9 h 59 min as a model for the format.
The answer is 8 h 28 min
